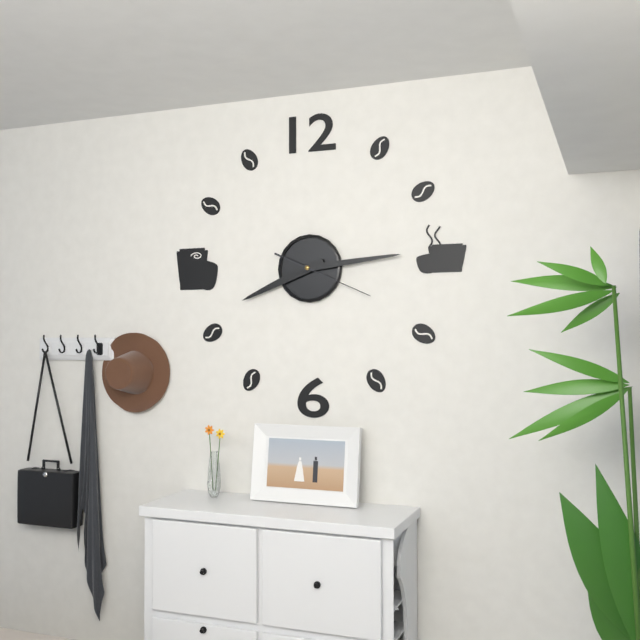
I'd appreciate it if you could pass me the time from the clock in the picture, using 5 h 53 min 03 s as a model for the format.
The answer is 8 h 14 min 19 s
